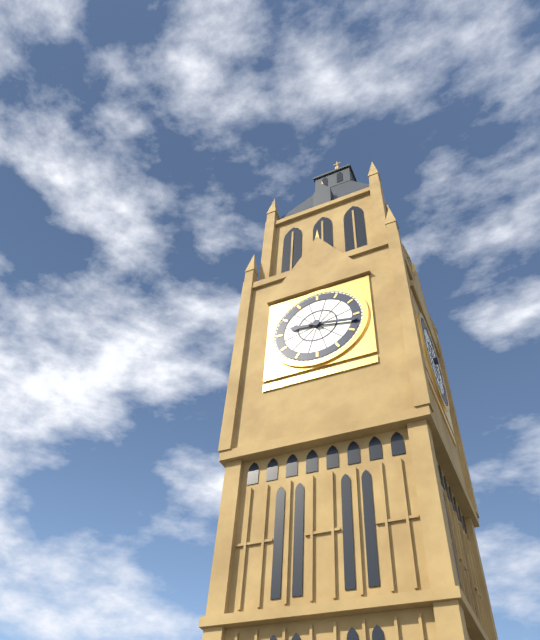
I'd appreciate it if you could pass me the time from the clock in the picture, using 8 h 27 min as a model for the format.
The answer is 9 h 17 min
